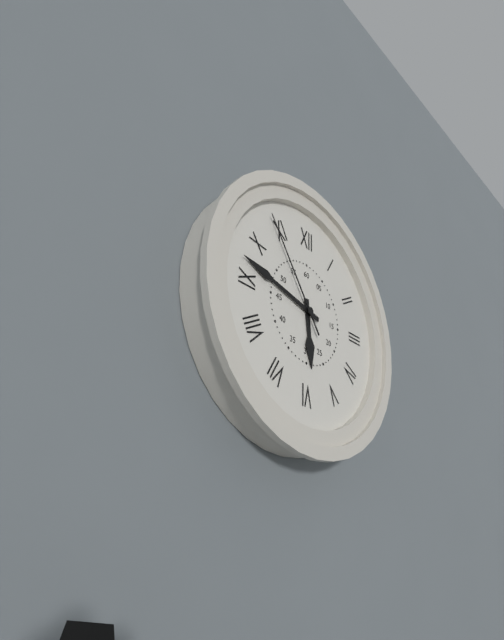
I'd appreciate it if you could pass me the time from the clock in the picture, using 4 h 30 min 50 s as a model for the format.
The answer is 5 h 47 min 54 s
